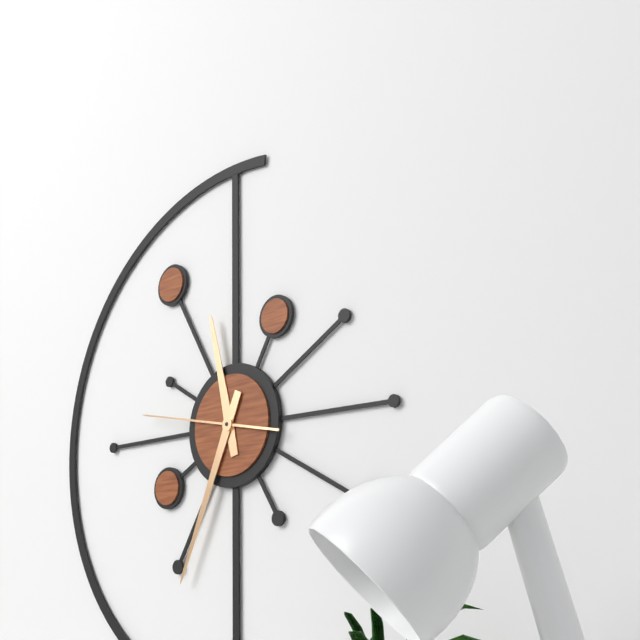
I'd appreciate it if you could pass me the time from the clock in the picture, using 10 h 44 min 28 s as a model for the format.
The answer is 11 h 34 min 47 s
